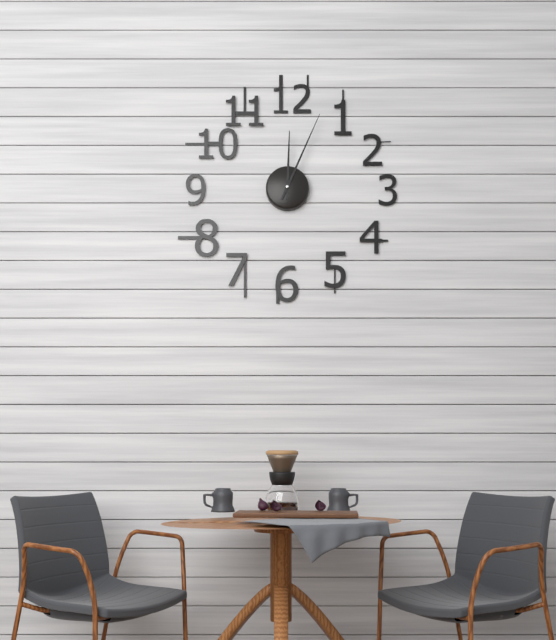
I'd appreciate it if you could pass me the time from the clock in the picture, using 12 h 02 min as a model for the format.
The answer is 12 h 04 min
